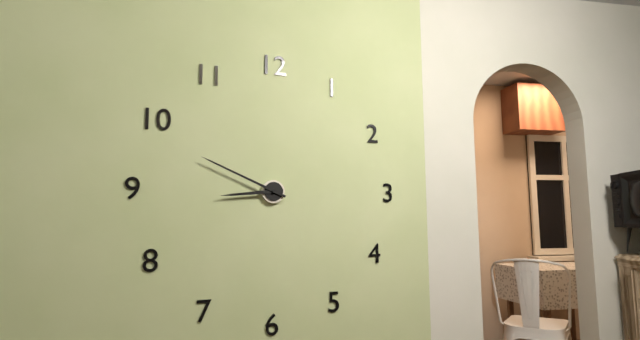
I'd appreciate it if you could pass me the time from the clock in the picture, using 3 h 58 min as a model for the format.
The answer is 8 h 49 min
